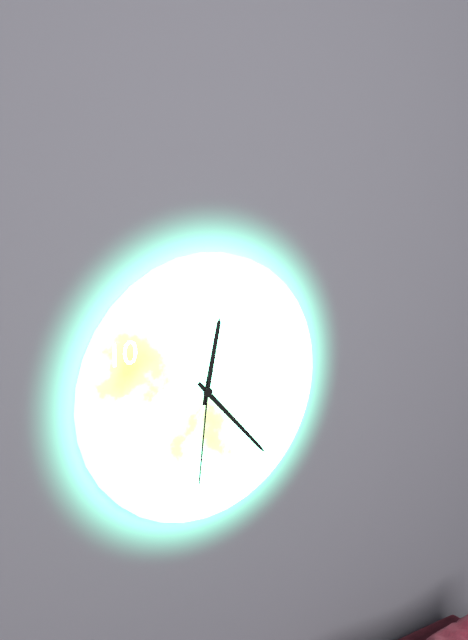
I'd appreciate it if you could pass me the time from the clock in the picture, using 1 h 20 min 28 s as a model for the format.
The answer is 12 h 23 min 31 s
